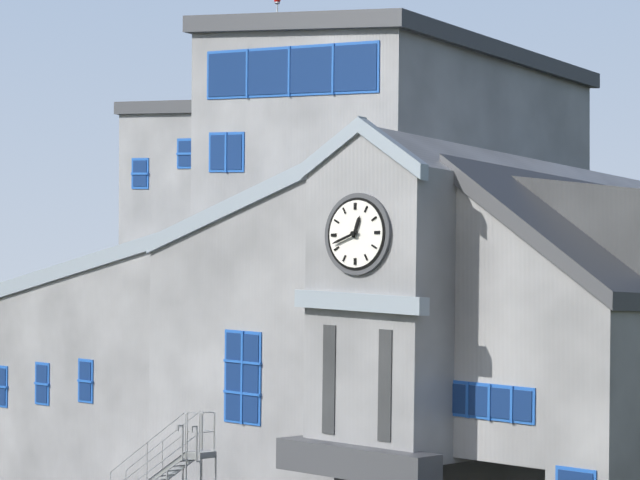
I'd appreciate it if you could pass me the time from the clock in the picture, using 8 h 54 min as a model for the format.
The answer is 12 h 42 min
